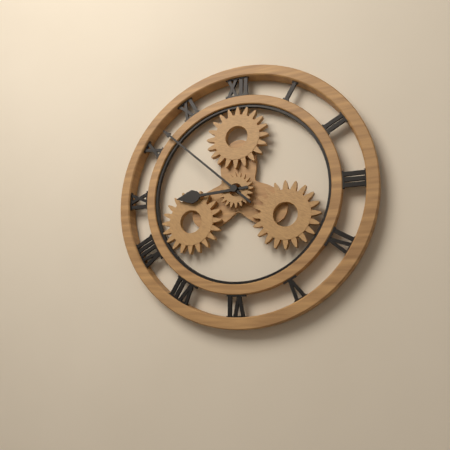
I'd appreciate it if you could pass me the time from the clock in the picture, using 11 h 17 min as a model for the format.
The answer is 8 h 52 min
